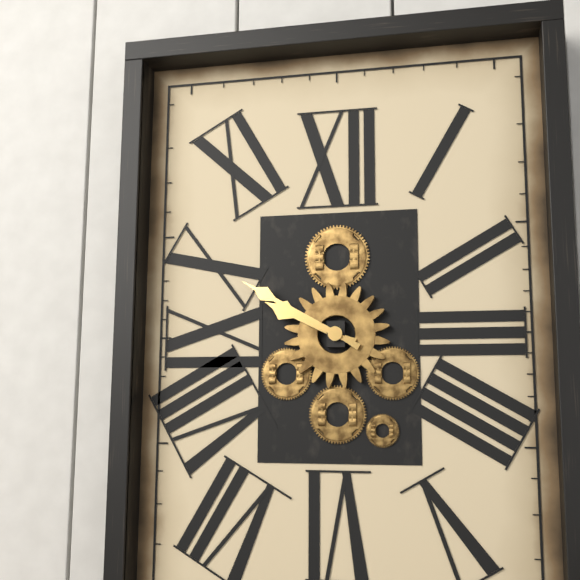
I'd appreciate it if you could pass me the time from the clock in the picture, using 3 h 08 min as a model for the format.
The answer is 9 h 50 min
